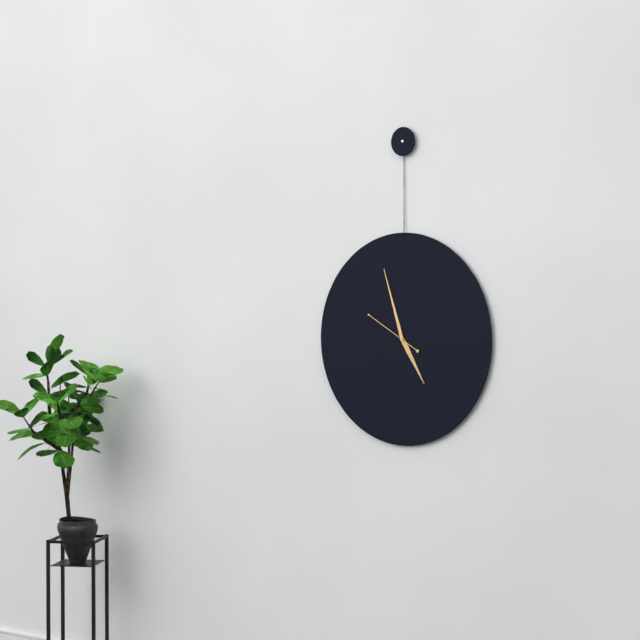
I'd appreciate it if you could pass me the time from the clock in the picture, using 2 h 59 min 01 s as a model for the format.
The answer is 4 h 57 min 50 s
